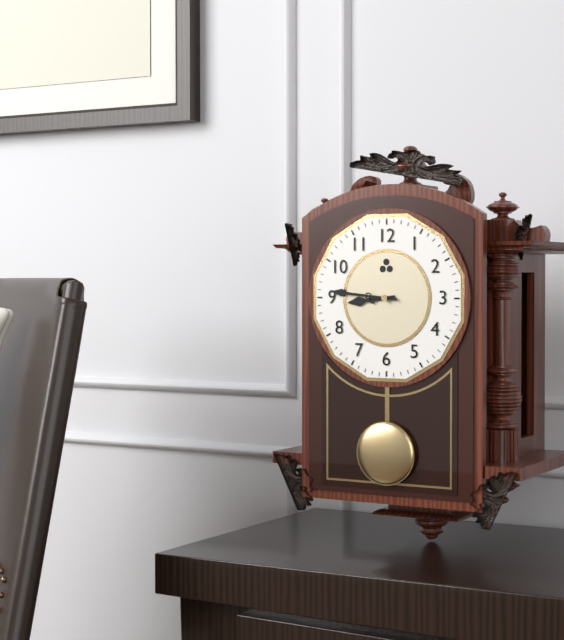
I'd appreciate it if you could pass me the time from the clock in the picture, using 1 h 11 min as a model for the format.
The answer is 8 h 46 min
